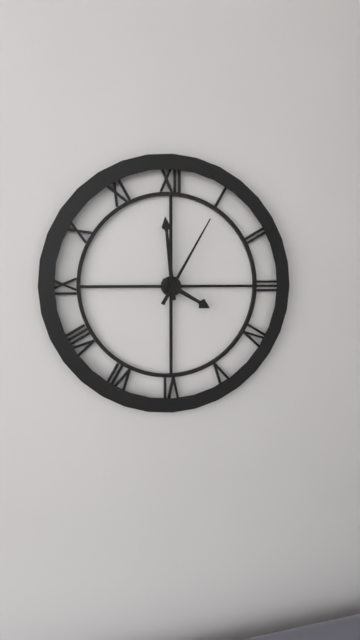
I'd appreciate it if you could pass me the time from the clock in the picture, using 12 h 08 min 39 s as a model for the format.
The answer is 3 h 59 min 05 s
